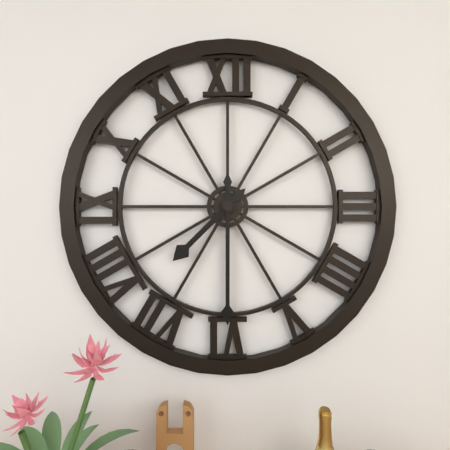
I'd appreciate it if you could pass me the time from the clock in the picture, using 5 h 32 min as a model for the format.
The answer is 7 h 30 min
